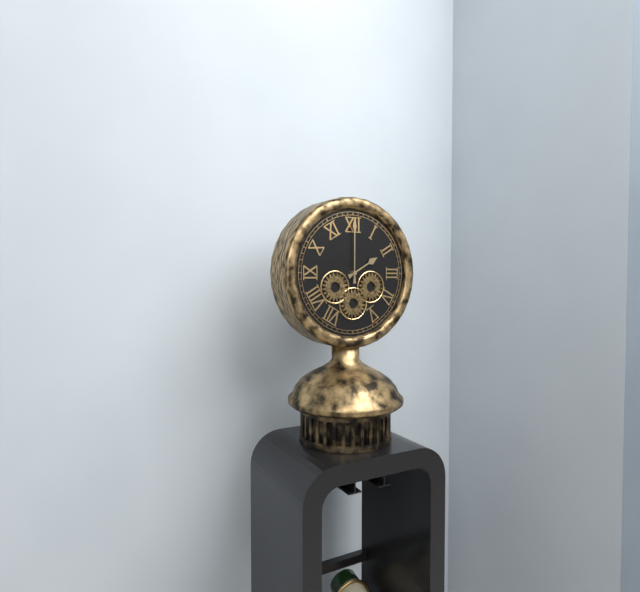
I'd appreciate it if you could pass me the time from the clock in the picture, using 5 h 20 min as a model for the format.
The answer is 2 h 00 min
